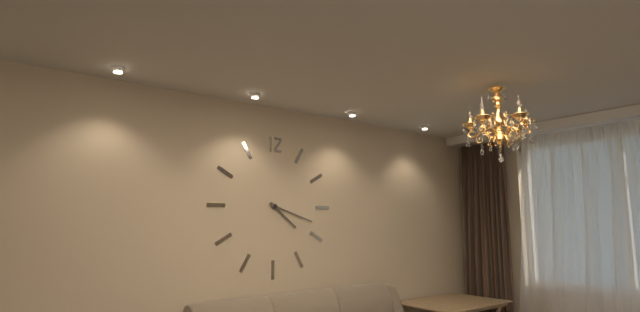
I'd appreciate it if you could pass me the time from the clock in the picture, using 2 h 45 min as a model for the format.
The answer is 4 h 18 min
